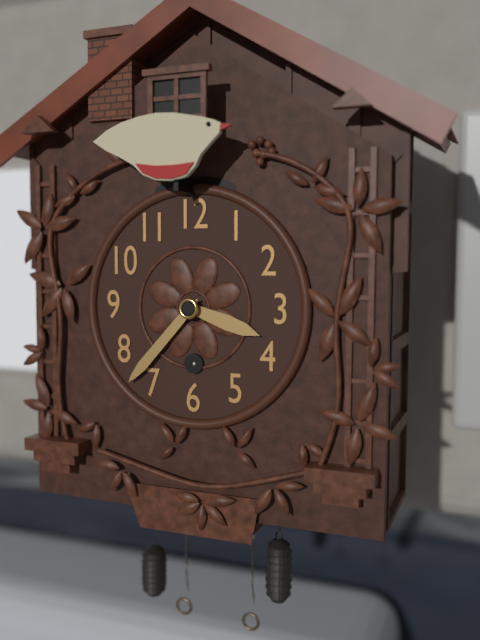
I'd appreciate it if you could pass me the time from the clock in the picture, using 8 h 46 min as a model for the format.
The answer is 3 h 37 min
